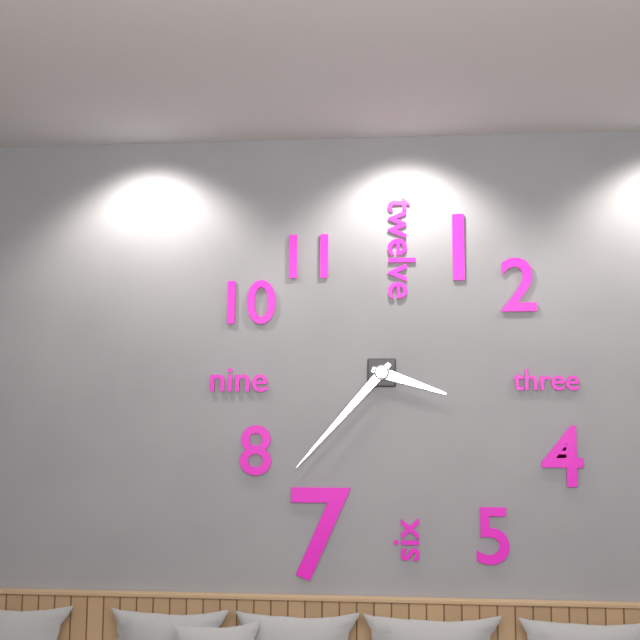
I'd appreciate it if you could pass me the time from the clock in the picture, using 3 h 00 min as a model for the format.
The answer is 3 h 37 min
